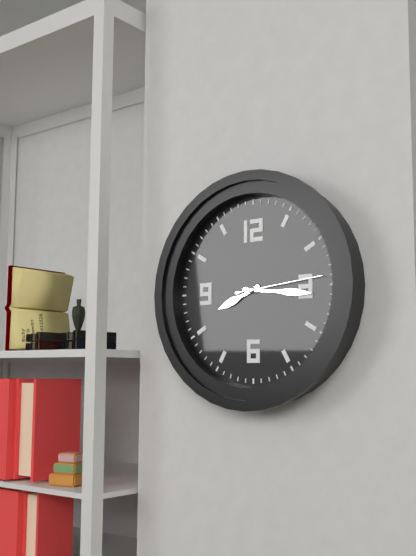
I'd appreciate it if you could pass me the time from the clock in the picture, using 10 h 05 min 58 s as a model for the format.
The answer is 8 h 16 min 14 s
